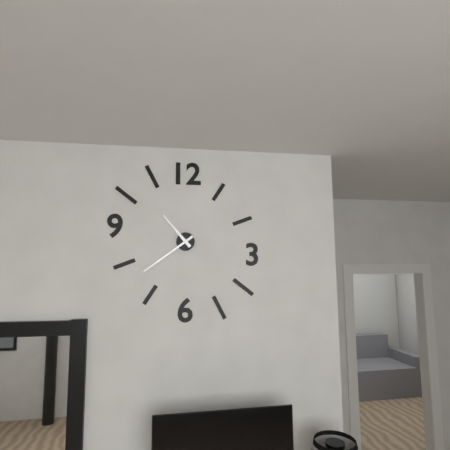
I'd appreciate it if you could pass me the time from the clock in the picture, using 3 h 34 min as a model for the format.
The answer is 10 h 39 min
